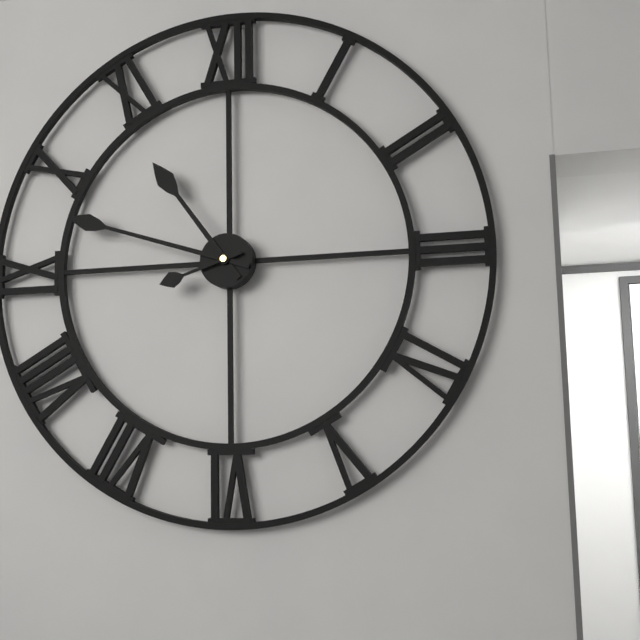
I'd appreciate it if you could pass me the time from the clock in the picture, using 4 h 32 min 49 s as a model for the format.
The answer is 10 h 48 min 42 s
